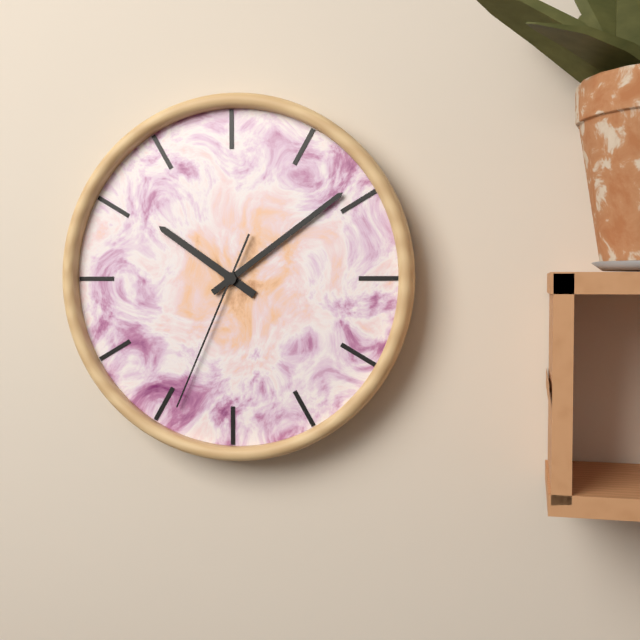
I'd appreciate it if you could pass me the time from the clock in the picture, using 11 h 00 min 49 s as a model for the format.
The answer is 10 h 09 min 34 s
